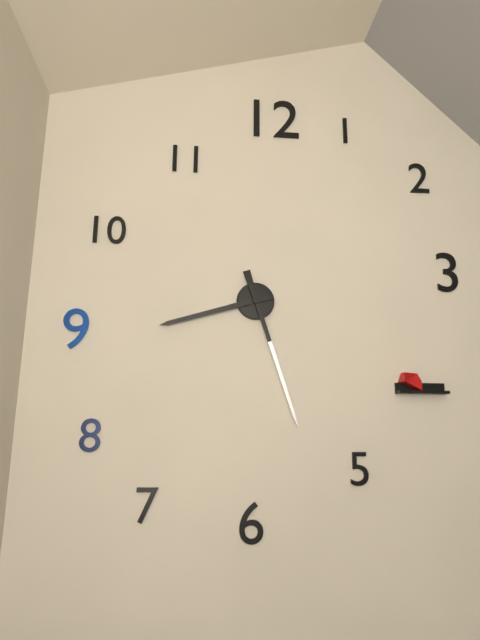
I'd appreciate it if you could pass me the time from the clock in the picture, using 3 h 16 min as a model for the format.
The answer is 8 h 27 min
